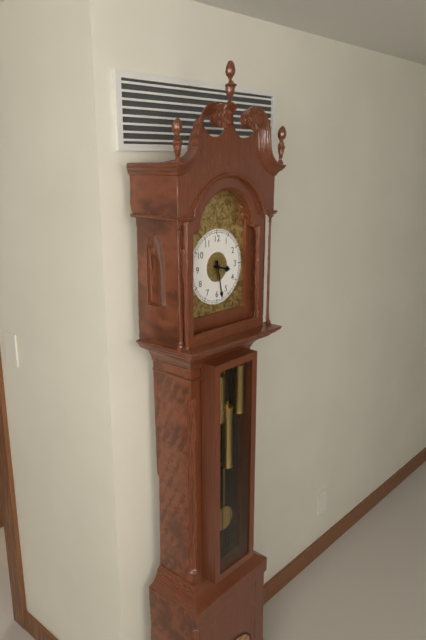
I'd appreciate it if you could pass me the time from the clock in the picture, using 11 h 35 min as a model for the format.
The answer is 3 h 28 min
